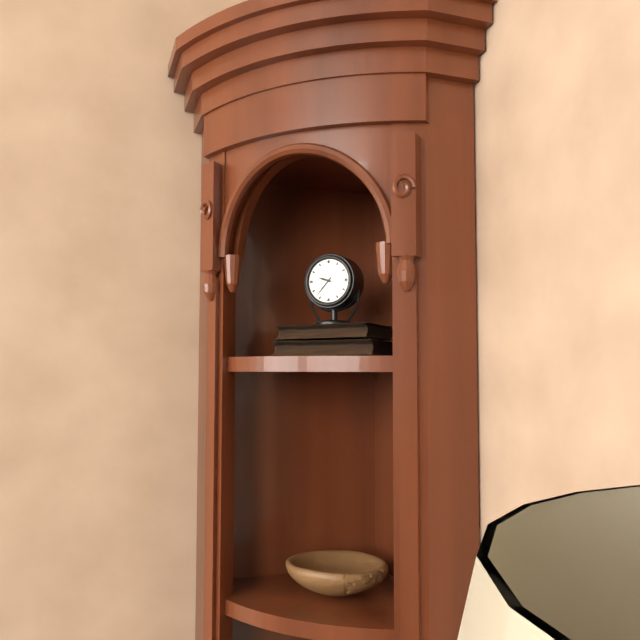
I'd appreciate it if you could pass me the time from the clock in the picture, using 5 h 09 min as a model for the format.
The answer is 9 h 37 min
